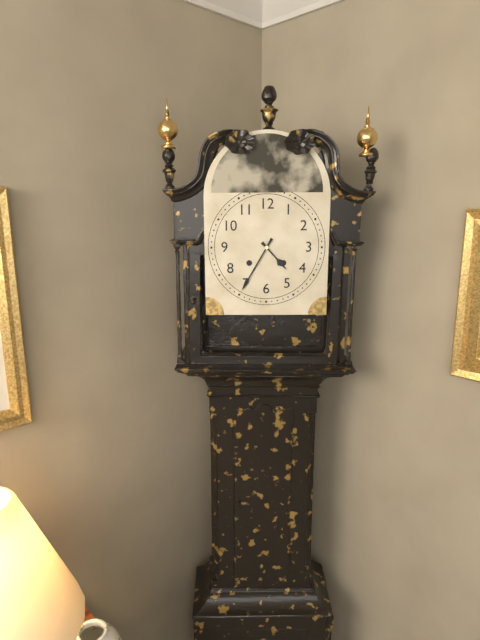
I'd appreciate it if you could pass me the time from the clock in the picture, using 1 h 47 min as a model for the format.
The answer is 4 h 35 min
